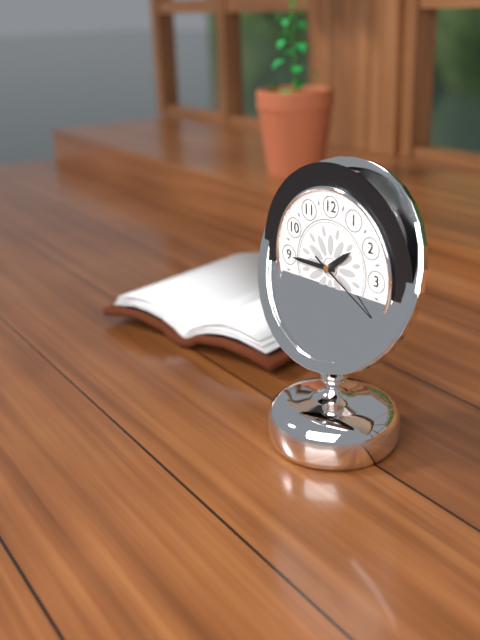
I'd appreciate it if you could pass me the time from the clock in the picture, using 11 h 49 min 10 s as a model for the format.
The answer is 1 h 45 min 20 s
